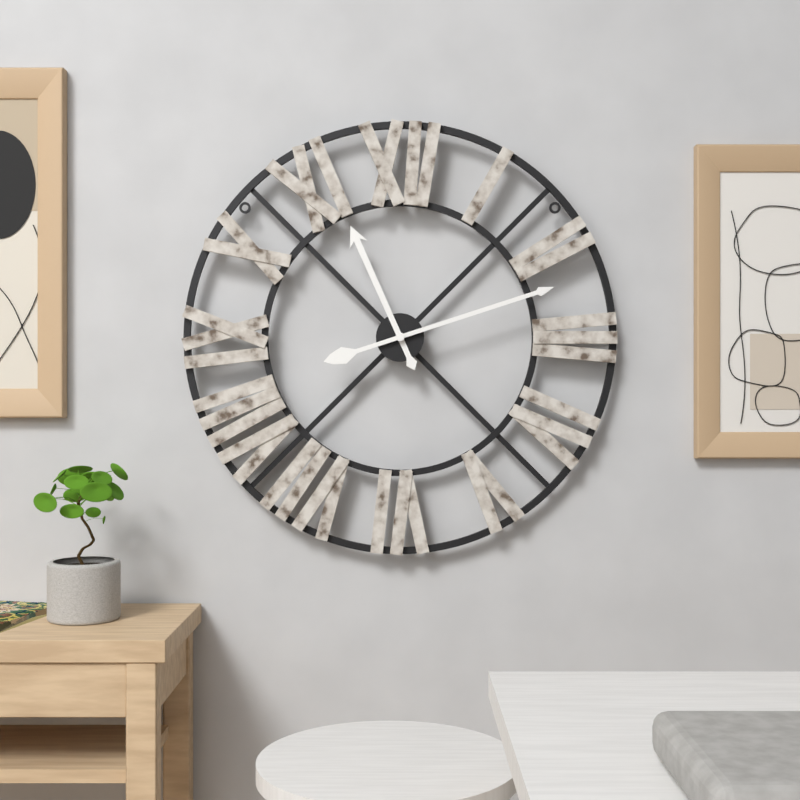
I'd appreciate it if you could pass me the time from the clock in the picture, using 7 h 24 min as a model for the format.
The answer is 11 h 12 min
